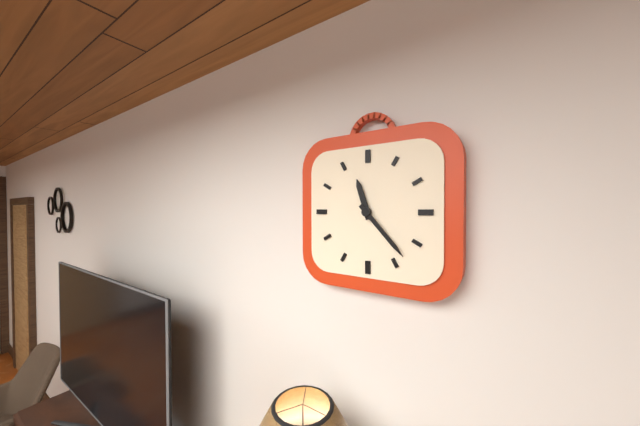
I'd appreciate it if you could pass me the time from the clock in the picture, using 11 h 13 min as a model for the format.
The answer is 11 h 23 min
